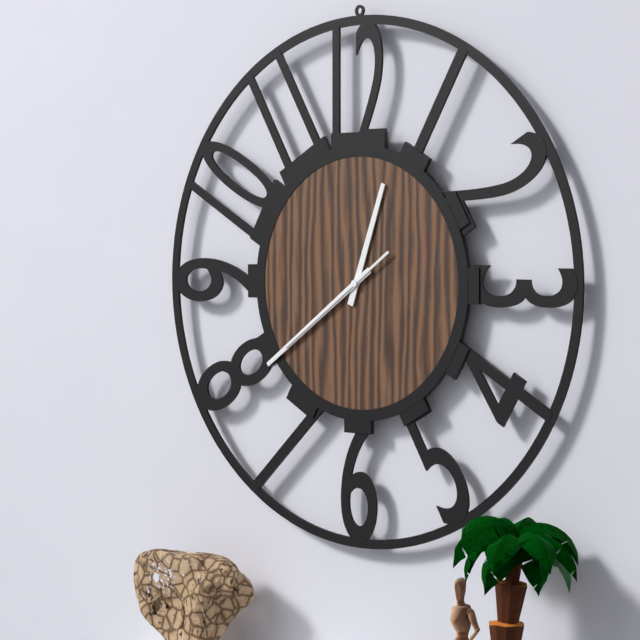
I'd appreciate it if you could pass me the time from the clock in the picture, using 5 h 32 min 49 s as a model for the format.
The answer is 12 h 39 min 39 s
